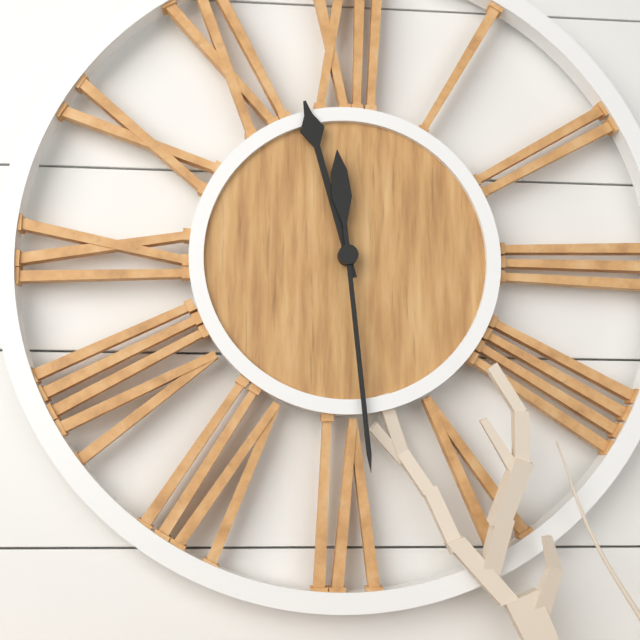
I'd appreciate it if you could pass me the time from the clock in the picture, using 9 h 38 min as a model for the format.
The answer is 11 h 29 min
